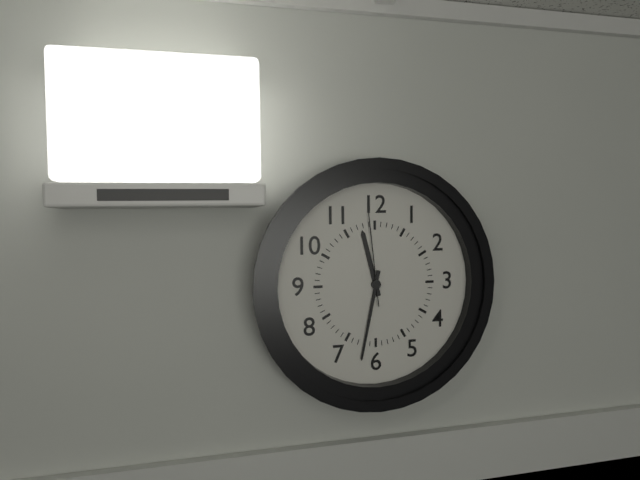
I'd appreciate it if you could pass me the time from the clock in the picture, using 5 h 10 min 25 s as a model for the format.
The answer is 11 h 32 min 59 s
